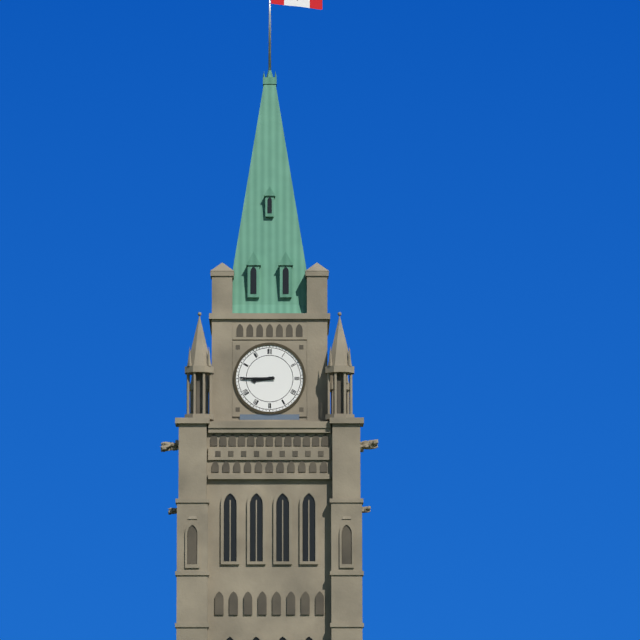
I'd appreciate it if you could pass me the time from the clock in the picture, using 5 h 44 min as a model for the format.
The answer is 8 h 45 min
